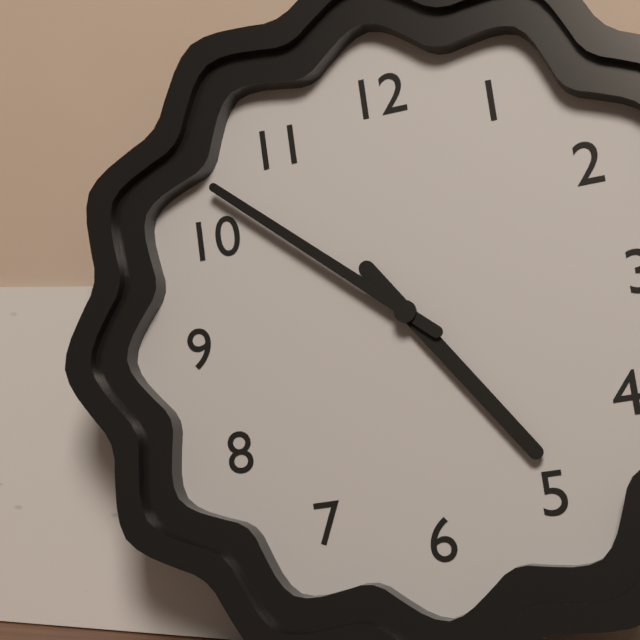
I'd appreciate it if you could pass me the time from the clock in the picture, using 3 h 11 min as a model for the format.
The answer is 4 h 52 min
